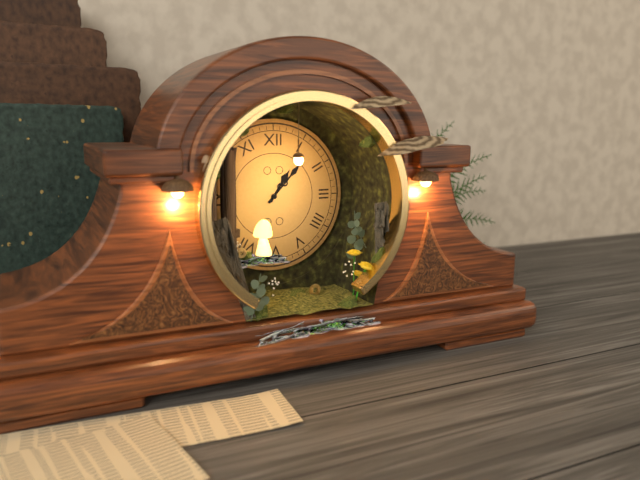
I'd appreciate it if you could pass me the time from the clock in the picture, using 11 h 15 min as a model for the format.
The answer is 1 h 07 min
